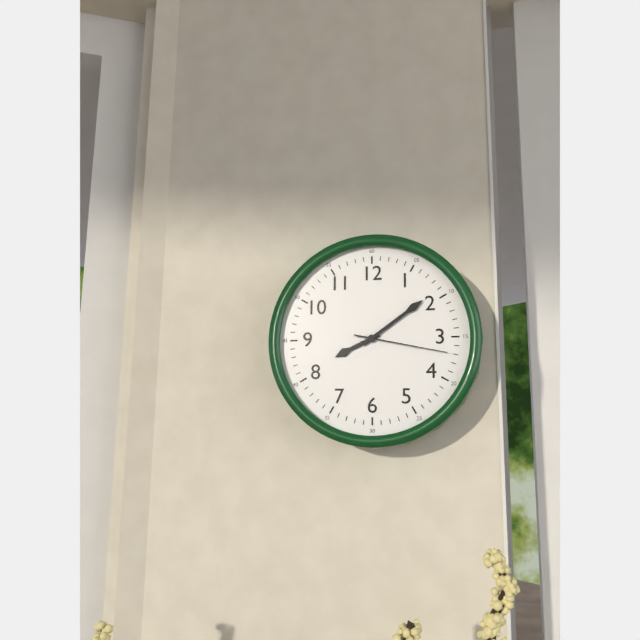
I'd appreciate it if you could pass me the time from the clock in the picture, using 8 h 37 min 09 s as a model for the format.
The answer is 8 h 09 min 17 s
